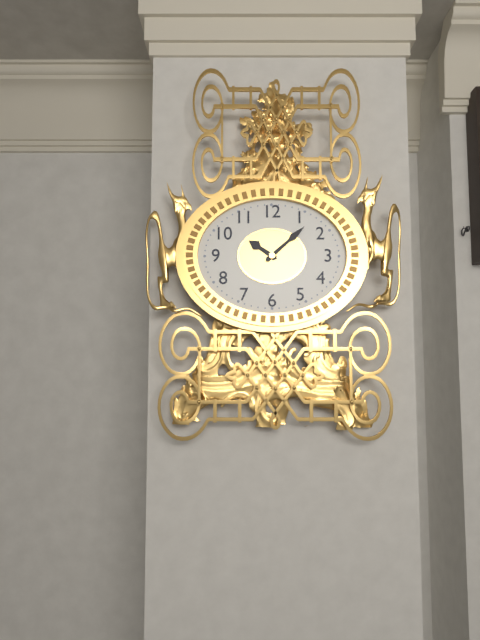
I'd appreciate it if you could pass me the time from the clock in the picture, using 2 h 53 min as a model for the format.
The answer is 10 h 08 min
